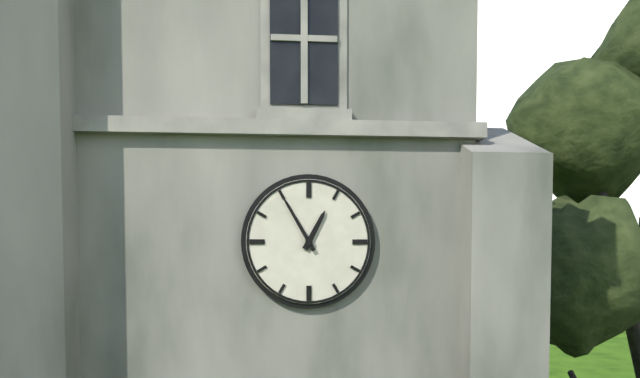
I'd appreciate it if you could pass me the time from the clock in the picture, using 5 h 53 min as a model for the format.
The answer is 12 h 55 min
